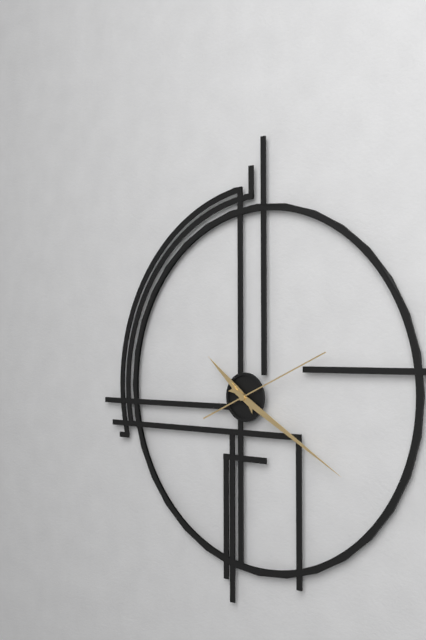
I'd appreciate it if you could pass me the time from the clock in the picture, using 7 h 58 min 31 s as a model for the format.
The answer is 10 h 20 min 11 s
